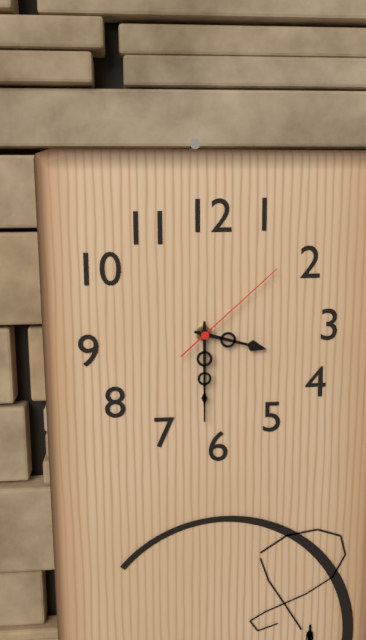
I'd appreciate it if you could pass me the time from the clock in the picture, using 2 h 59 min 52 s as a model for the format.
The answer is 3 h 30 min 08 s
